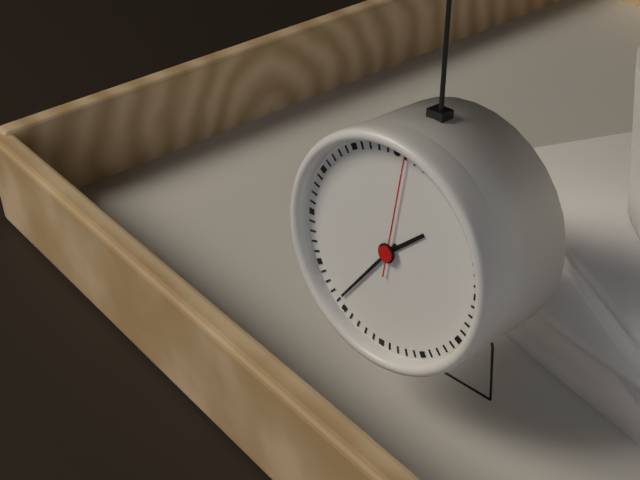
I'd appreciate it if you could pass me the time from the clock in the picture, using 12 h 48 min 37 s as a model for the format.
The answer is 1 h 36 min 01 s
